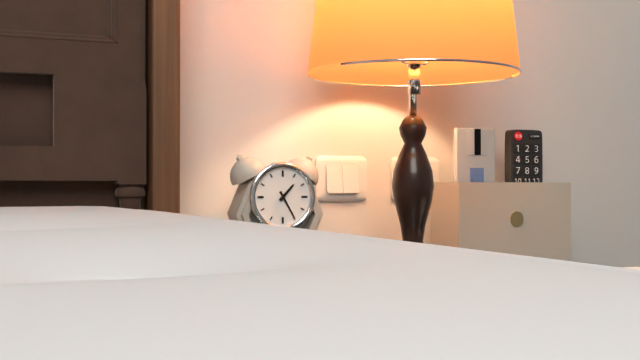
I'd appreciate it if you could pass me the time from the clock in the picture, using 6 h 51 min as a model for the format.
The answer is 1 h 25 min
